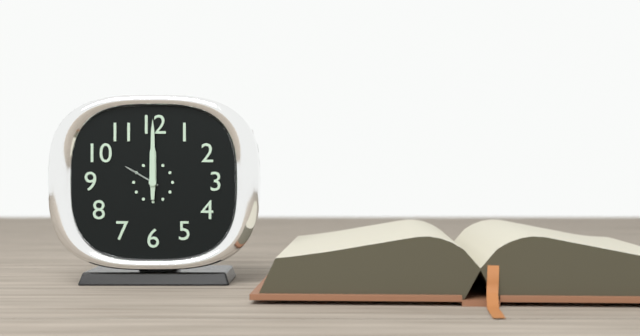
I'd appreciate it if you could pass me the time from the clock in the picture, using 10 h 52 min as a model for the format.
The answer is 12 h 00 min
